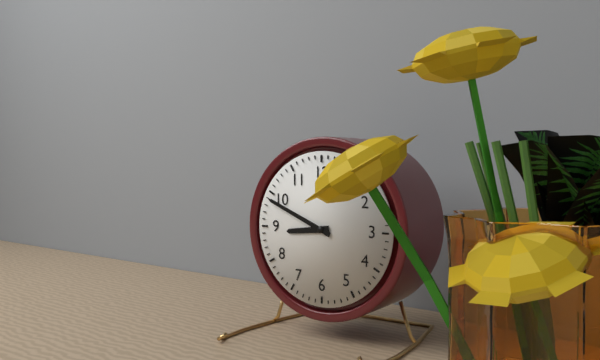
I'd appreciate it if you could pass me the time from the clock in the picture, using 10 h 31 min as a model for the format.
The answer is 8 h 49 min
